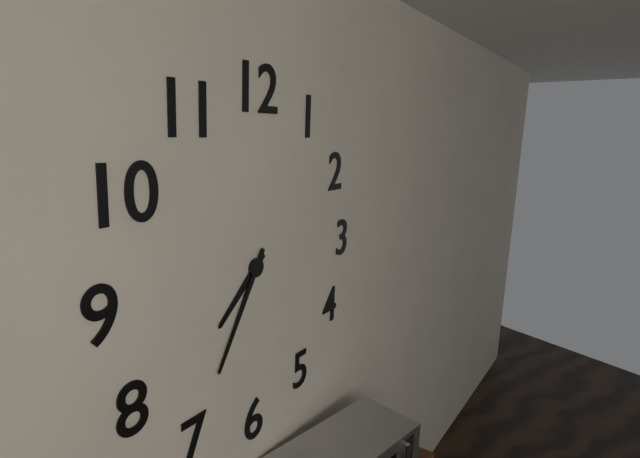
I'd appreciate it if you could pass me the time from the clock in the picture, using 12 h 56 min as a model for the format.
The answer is 7 h 35 min
